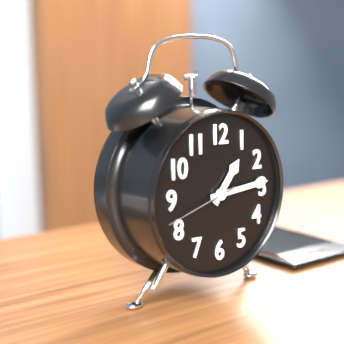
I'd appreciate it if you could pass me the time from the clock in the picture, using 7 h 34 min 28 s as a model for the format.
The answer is 1 h 14 min 42 s
